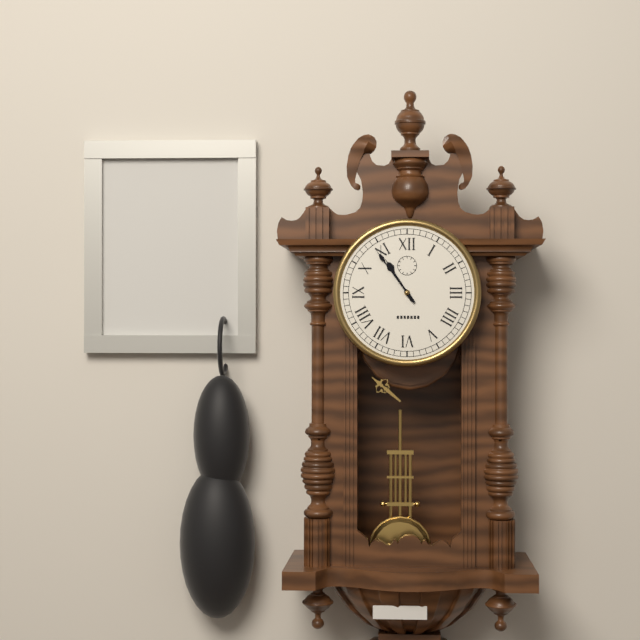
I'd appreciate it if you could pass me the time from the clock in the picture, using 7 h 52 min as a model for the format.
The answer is 10 h 54 min
